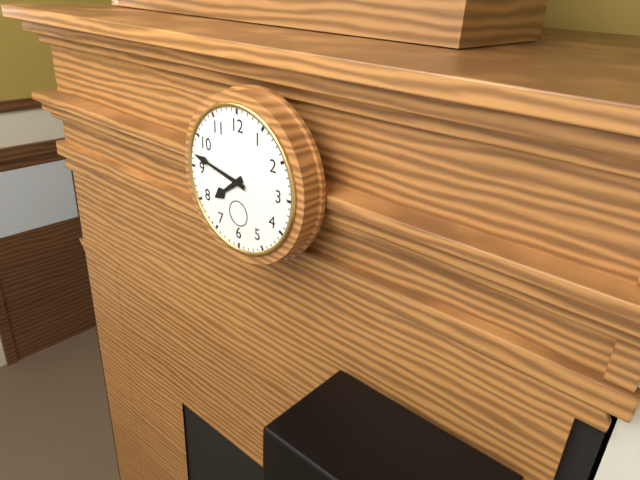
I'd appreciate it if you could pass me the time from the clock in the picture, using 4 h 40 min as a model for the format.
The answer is 7 h 47 min
